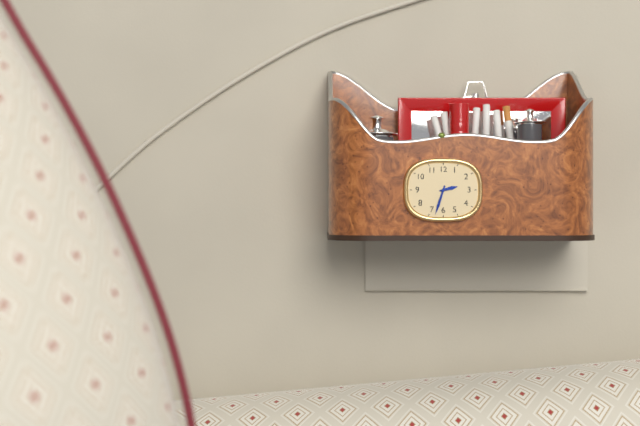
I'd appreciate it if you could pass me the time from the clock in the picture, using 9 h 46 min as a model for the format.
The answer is 2 h 33 min
